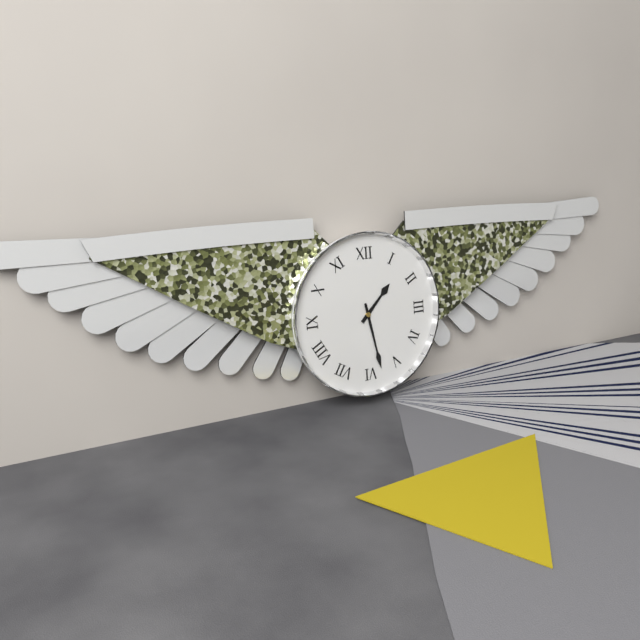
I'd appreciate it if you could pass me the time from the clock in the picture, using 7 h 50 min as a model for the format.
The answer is 1 h 28 min
